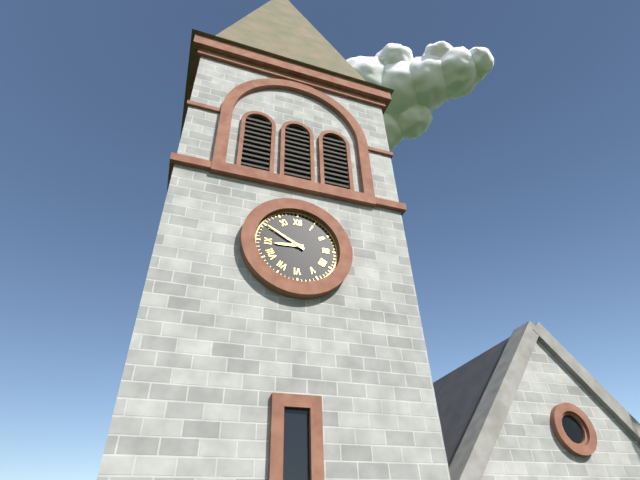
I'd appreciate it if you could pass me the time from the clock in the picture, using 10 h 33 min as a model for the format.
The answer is 8 h 50 min
